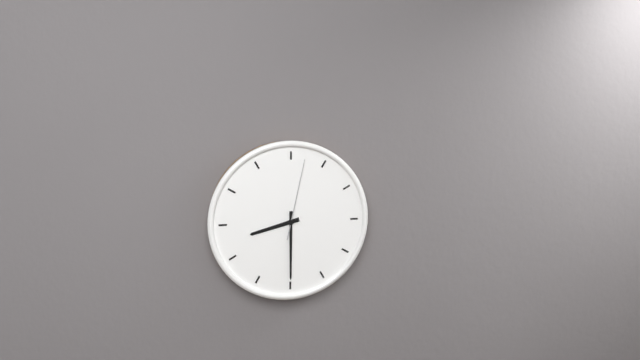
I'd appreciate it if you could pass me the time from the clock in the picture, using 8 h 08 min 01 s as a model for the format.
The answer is 8 h 30 min 02 s
